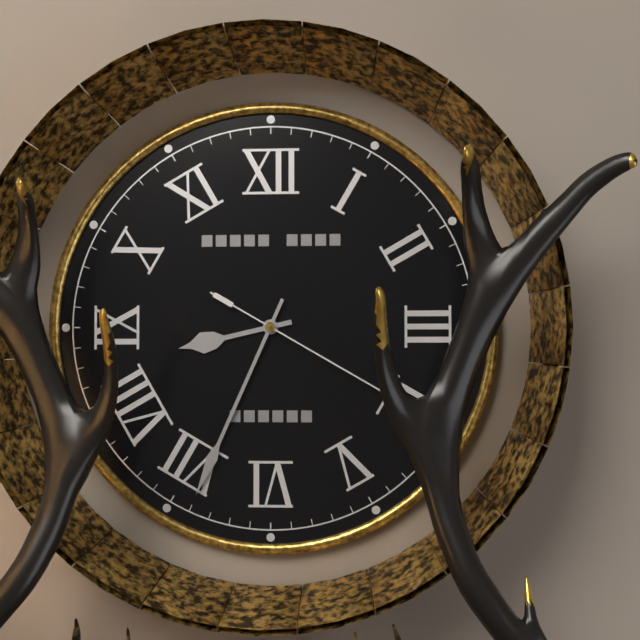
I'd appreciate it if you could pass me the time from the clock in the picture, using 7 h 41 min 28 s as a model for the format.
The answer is 8 h 34 min 20 s
